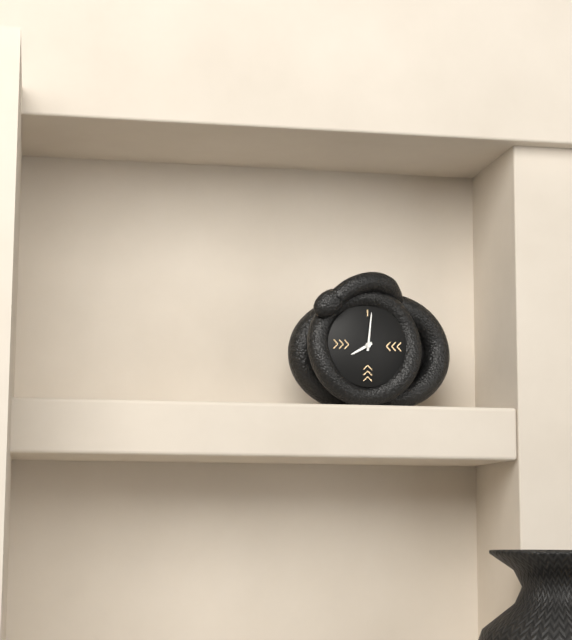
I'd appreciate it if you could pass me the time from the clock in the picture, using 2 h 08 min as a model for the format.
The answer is 8 h 01 min
